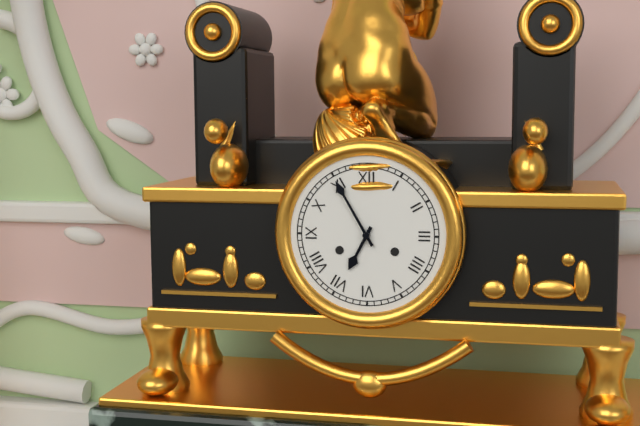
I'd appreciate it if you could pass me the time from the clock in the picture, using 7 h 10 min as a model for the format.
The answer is 6 h 55 min
